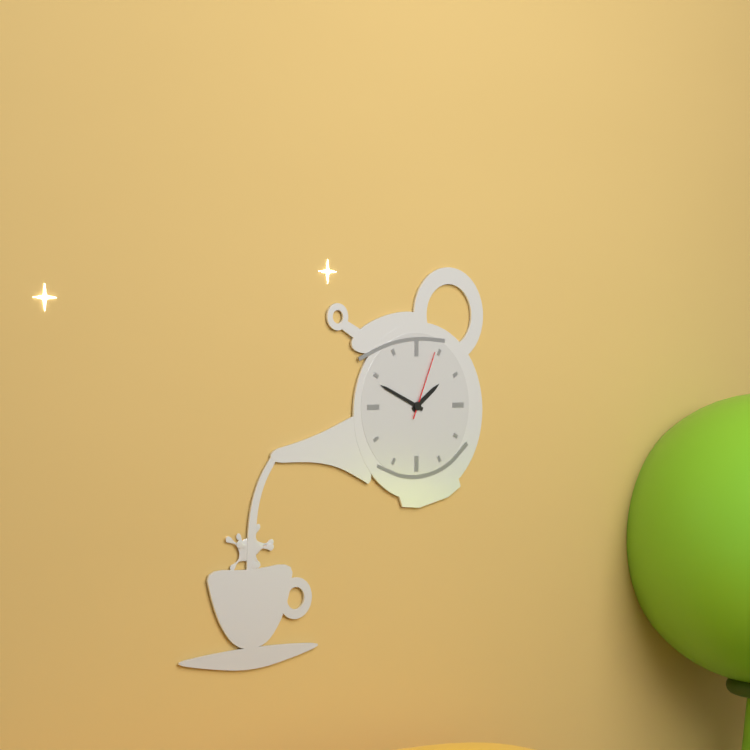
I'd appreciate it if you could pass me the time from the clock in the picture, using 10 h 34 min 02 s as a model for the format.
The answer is 1 h 49 min 04 s
